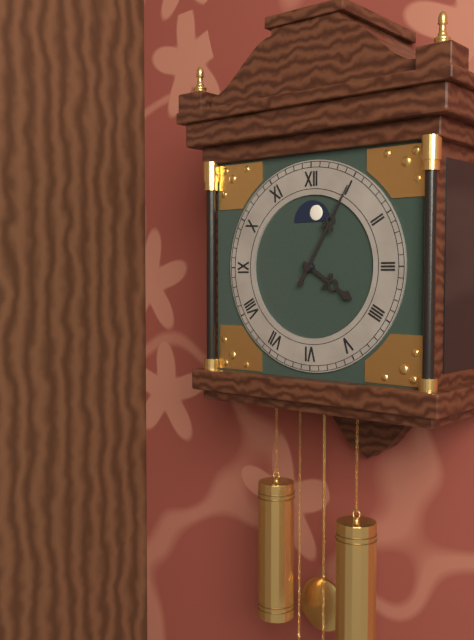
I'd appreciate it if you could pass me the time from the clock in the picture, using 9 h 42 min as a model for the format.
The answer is 4 h 05 min
